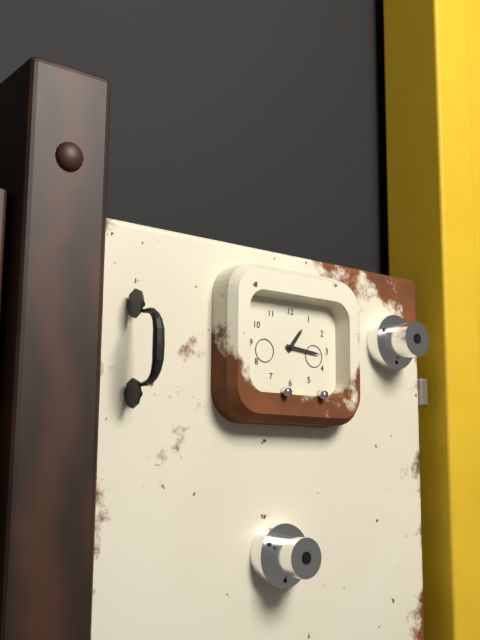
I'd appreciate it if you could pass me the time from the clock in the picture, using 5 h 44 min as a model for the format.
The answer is 1 h 16 min
